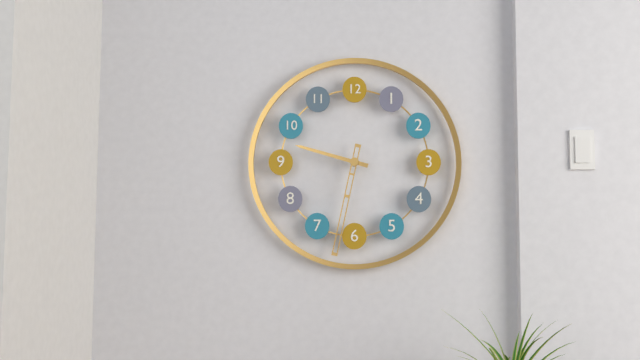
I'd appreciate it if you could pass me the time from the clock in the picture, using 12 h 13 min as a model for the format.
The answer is 9 h 32 min
